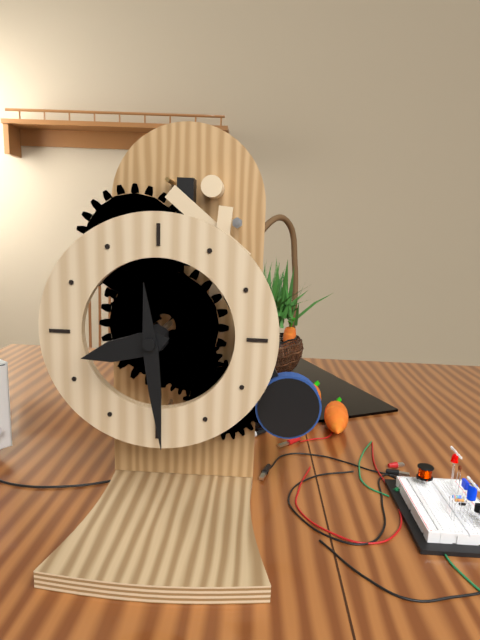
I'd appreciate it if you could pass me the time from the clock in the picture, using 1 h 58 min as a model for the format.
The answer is 8 h 29 min
